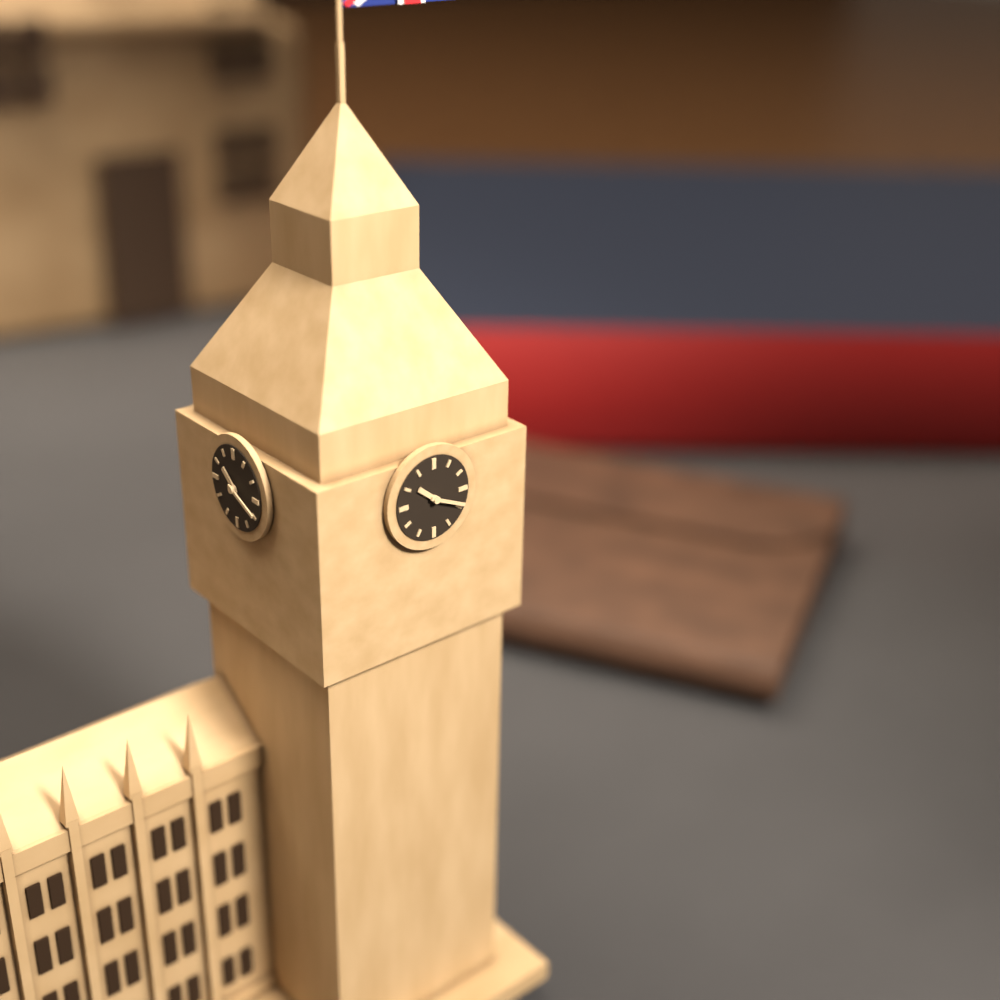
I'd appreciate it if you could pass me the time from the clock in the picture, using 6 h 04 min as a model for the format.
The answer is 10 h 19 min
